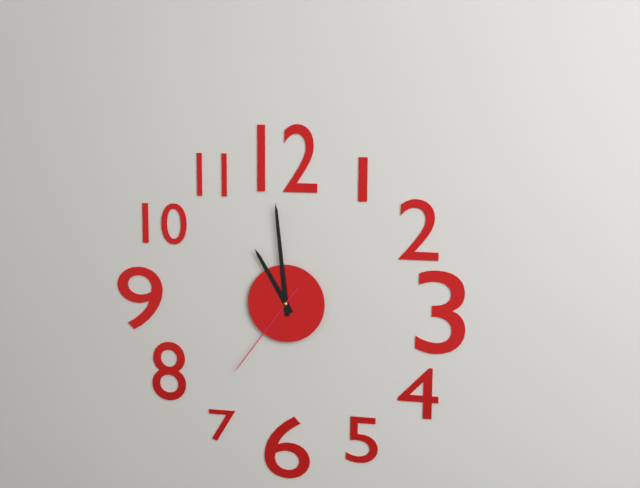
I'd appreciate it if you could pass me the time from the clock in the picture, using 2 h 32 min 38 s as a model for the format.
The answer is 10 h 59 min 36 s
